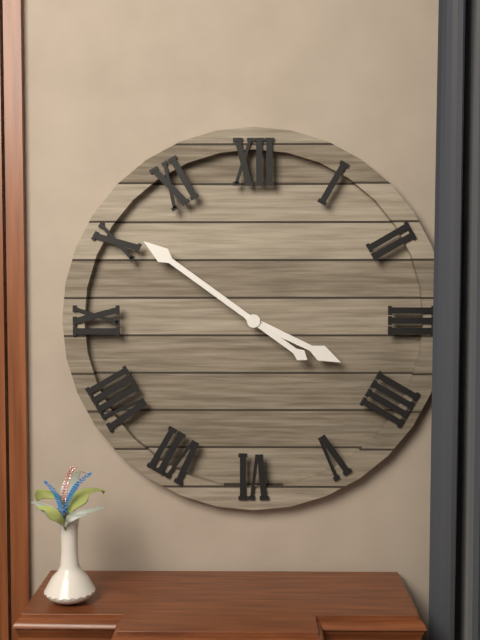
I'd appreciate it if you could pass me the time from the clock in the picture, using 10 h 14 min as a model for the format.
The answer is 3 h 51 min
